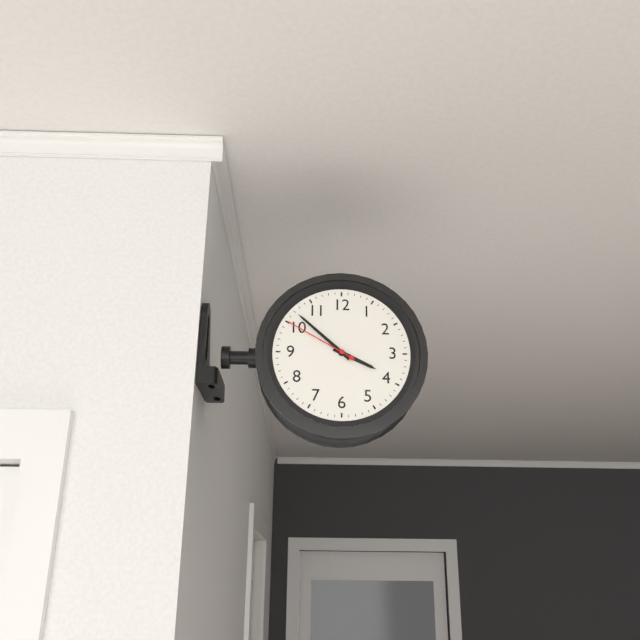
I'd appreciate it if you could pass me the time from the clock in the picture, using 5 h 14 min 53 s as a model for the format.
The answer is 3 h 52 min 50 s
